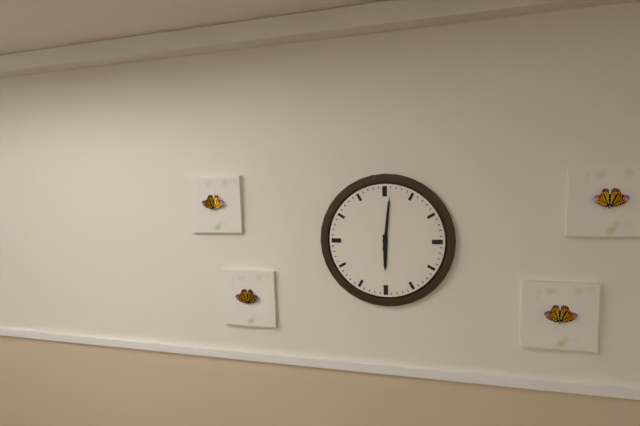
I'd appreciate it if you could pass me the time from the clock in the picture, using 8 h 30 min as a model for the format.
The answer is 6 h 01 min
